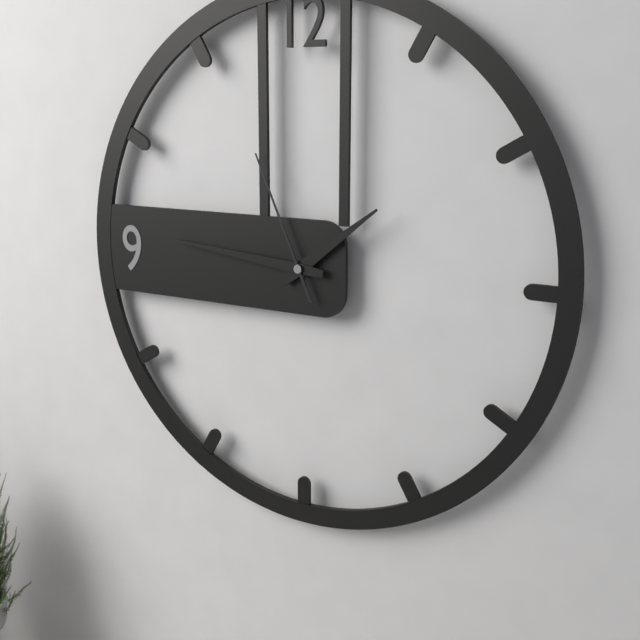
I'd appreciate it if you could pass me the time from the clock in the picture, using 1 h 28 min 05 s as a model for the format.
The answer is 1 h 46 min 56 s
